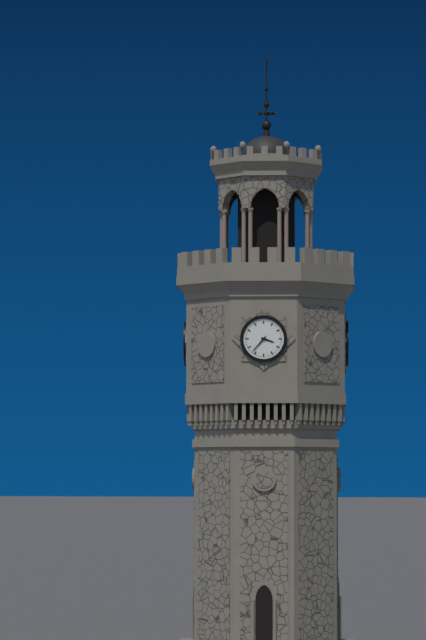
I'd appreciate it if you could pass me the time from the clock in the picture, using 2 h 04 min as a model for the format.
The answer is 3 h 37 min
